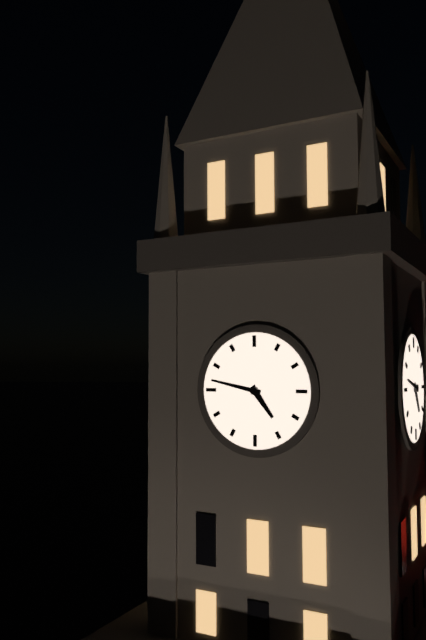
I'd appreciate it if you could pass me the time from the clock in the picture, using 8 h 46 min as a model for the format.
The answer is 4 h 47 min
